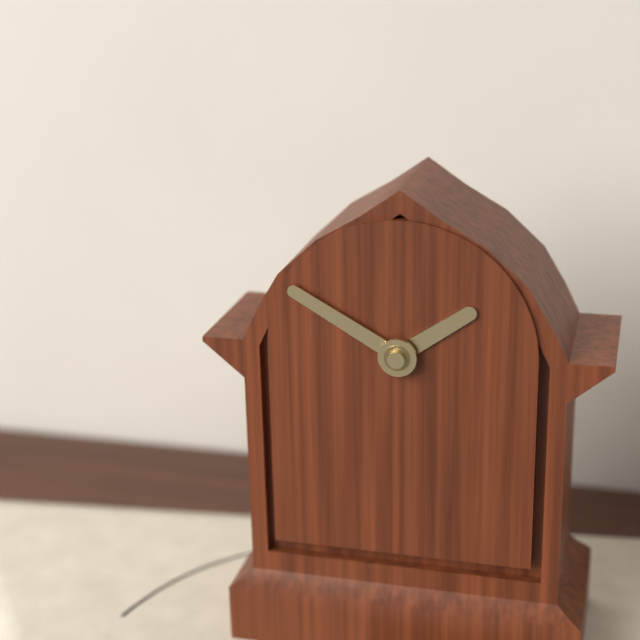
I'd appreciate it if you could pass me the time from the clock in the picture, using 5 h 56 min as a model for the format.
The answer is 1 h 50 min
